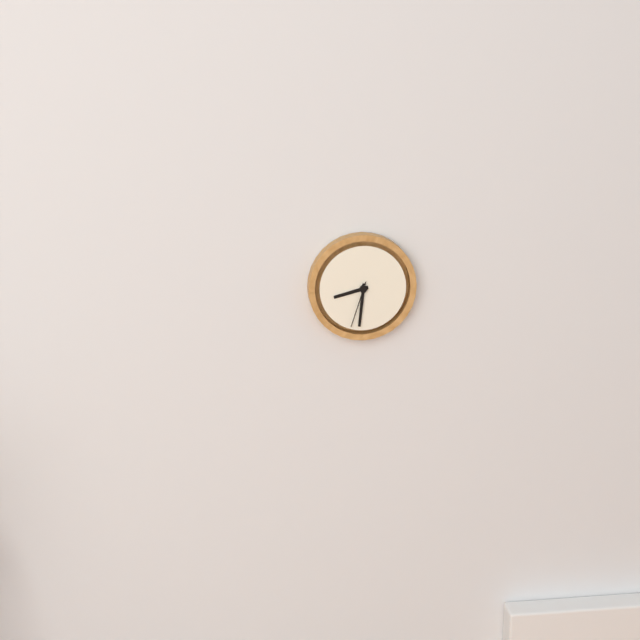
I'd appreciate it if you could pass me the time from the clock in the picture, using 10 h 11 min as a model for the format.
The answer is 8 h 31 min
